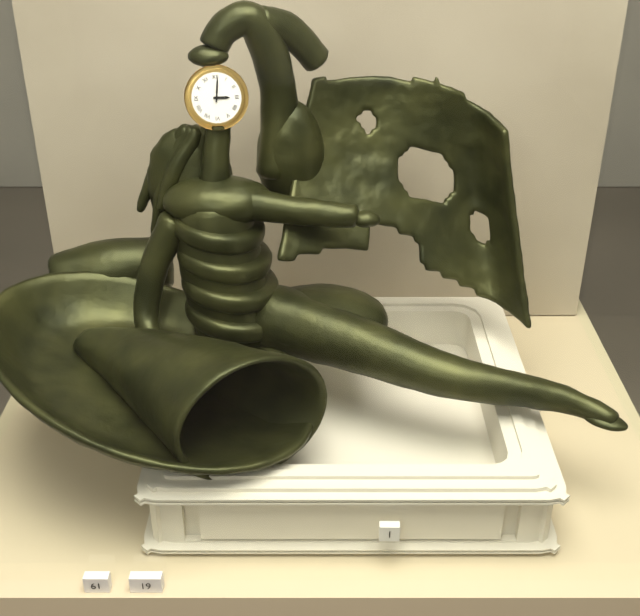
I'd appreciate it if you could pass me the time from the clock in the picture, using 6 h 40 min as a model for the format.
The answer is 3 h 01 min
